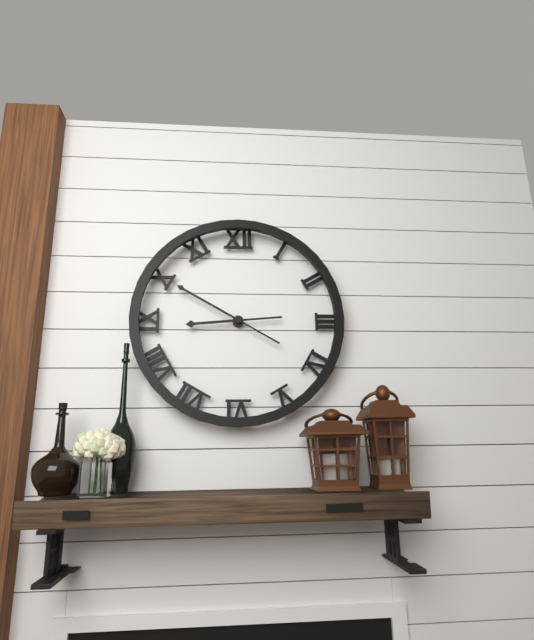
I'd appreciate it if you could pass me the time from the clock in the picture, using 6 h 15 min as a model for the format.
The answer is 8 h 50 min
